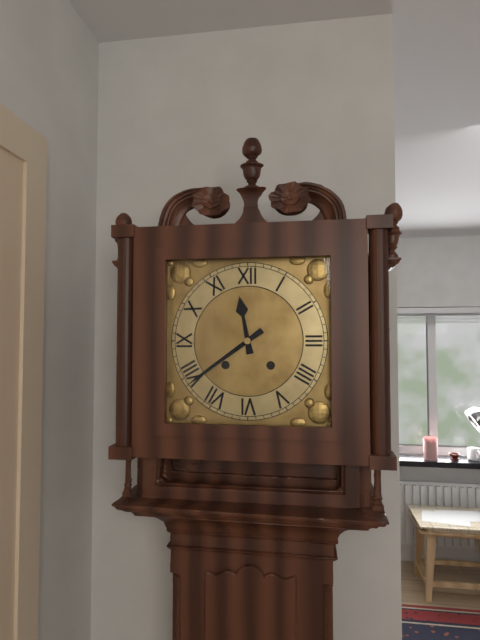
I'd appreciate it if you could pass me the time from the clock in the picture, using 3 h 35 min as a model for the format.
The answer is 11 h 39 min
